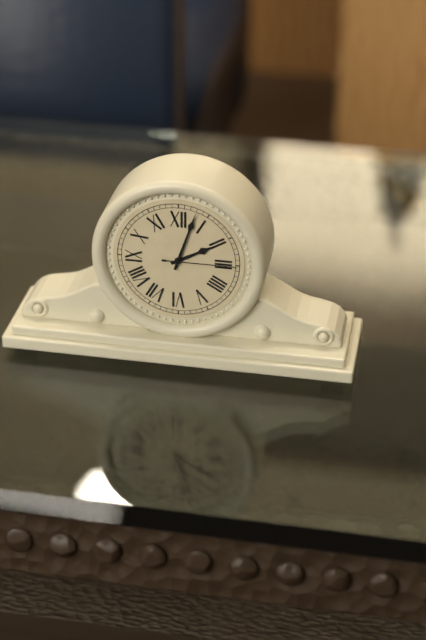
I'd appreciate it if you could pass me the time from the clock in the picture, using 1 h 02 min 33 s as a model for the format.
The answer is 2 h 03 min 15 s
